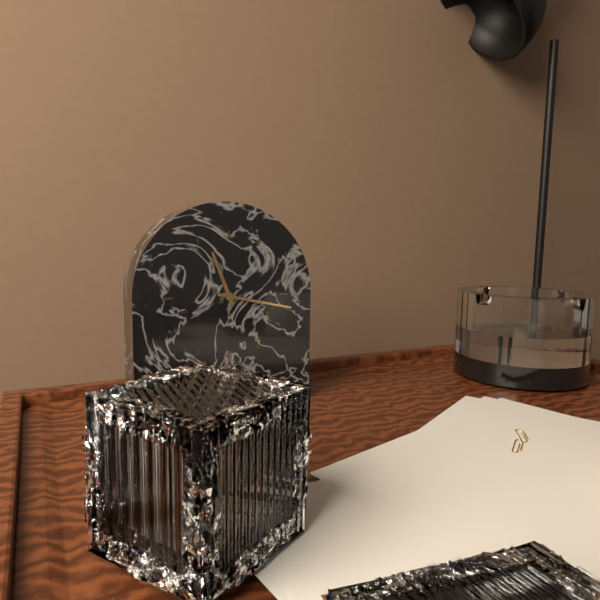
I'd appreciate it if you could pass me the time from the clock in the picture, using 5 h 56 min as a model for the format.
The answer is 11 h 17 min
